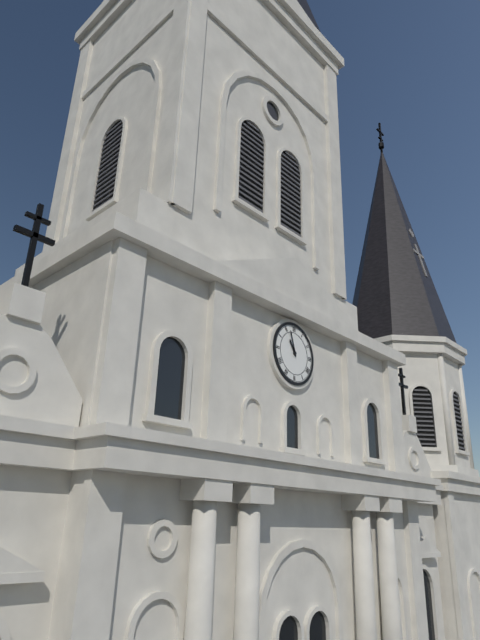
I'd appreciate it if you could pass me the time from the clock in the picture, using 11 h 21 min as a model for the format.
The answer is 10 h 57 min
